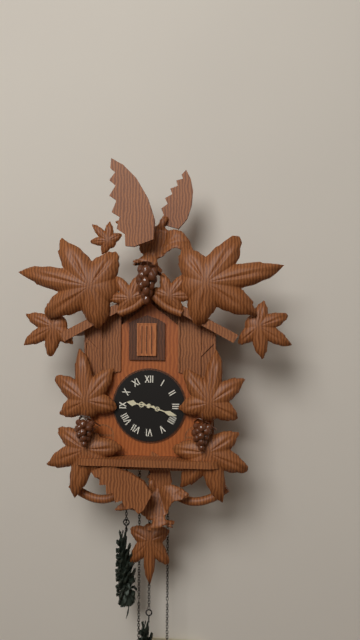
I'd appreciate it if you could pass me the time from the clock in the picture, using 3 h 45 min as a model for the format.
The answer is 9 h 18 min
